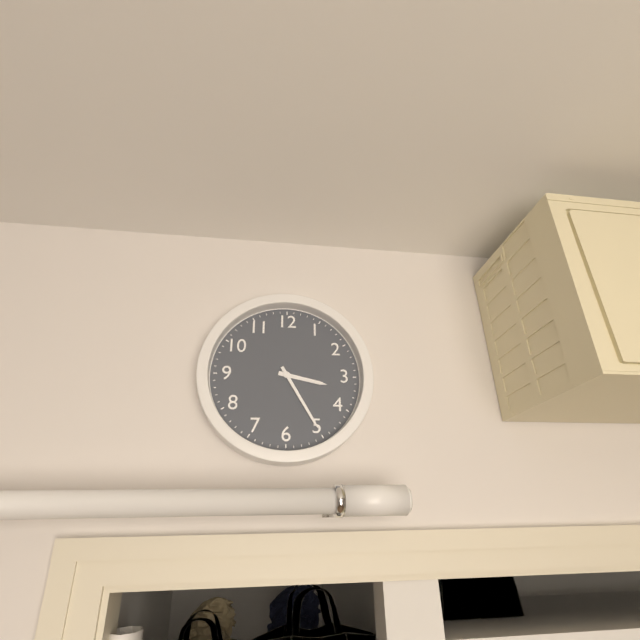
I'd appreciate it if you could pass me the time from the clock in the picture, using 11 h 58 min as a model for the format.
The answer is 3 h 25 min
